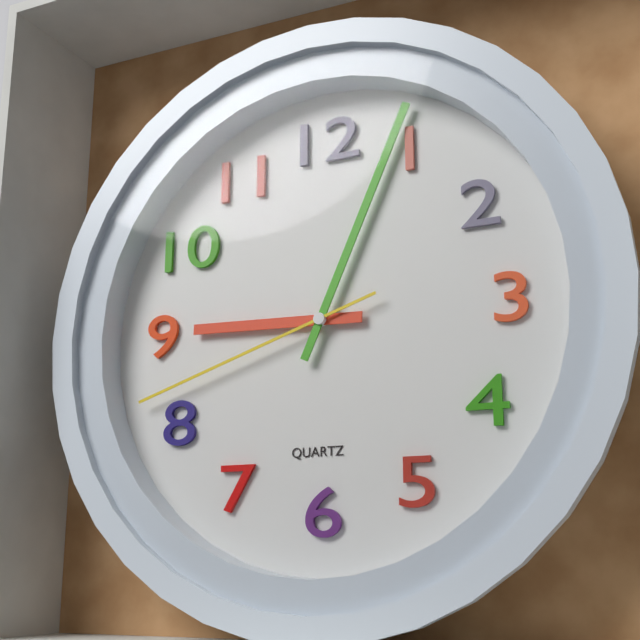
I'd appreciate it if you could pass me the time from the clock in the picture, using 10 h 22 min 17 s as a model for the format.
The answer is 9 h 04 min 42 s
